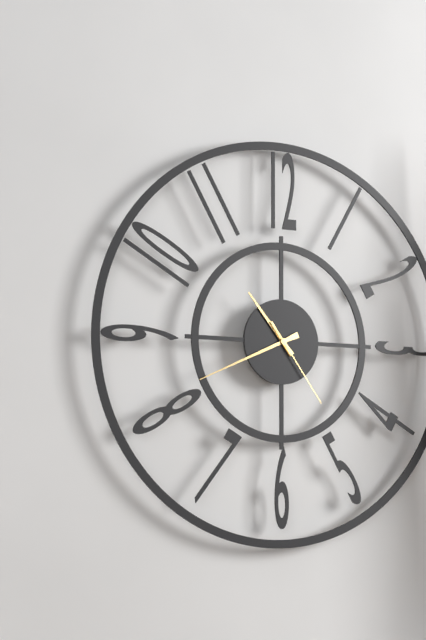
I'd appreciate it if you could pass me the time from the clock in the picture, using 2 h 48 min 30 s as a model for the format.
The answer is 10 h 41 min 24 s
